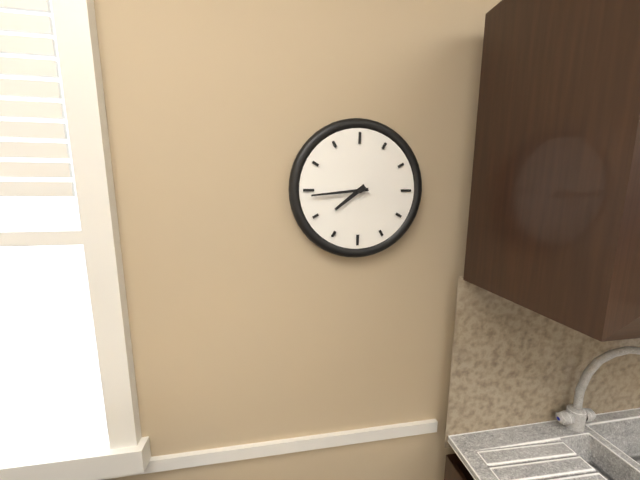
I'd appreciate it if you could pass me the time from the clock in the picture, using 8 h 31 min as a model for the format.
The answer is 7 h 44 min
